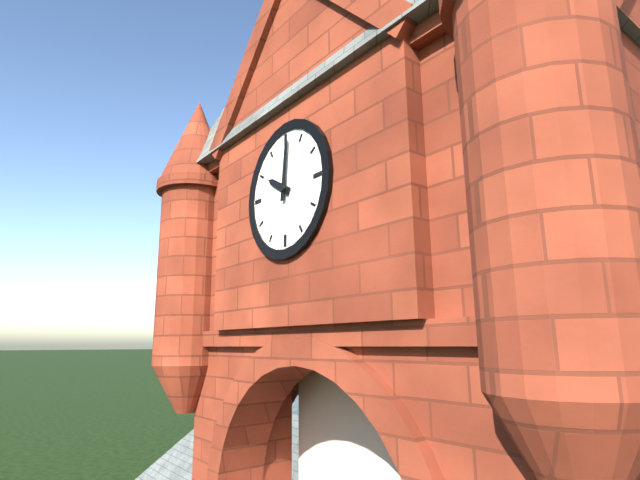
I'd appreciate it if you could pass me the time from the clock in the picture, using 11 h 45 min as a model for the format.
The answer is 10 h 01 min
